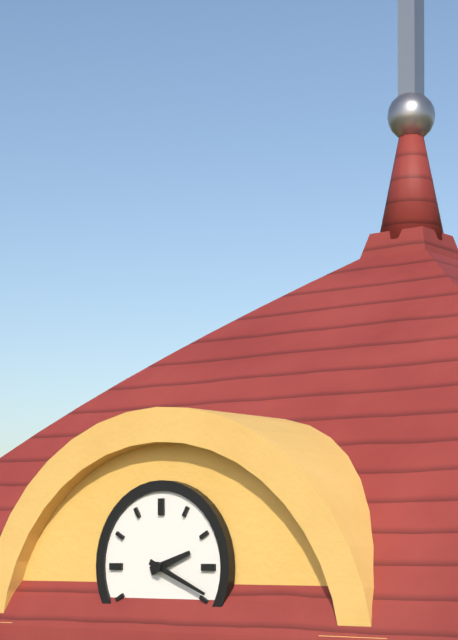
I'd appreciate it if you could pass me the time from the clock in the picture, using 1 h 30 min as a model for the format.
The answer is 2 h 19 min
